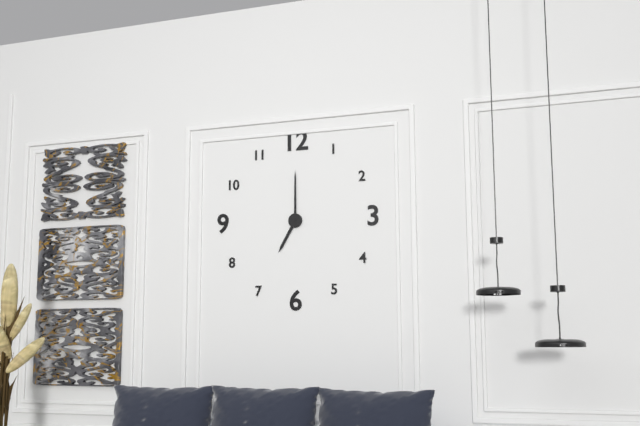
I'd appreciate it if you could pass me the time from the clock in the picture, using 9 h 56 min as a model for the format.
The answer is 7 h 00 min
